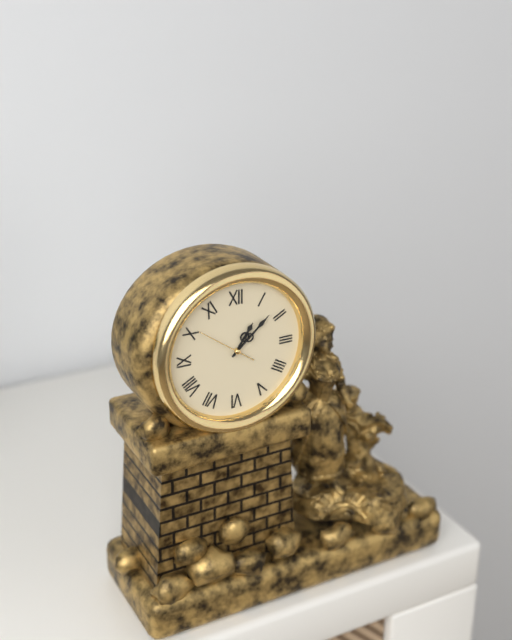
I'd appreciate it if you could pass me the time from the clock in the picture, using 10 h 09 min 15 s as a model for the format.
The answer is 1 h 08 min 51 s
